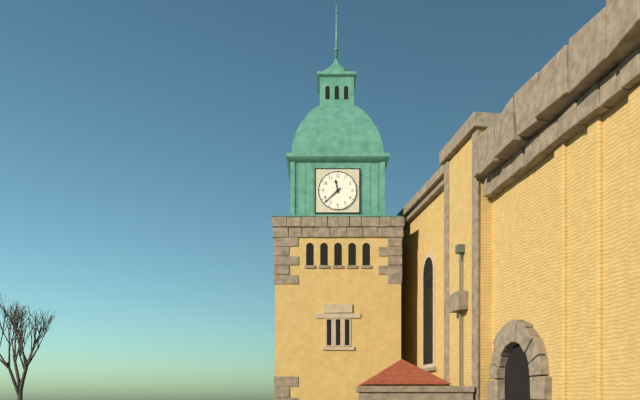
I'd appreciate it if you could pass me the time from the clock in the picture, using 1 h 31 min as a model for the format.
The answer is 11 h 38 min
